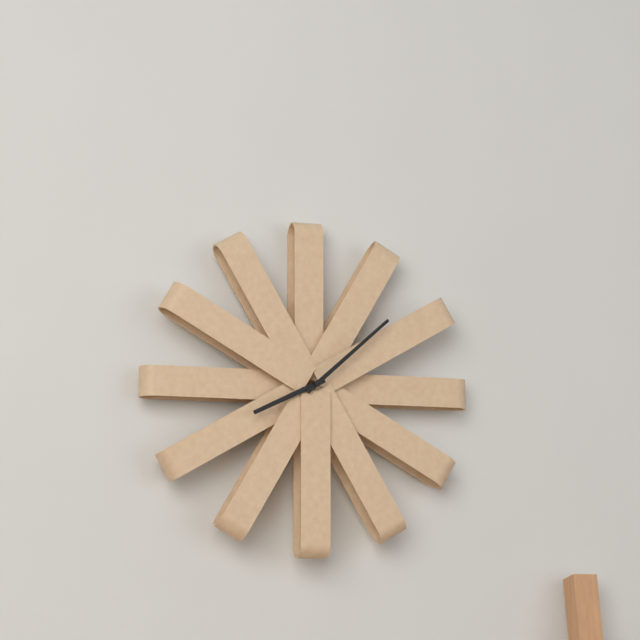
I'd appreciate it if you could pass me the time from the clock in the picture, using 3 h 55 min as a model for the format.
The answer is 8 h 08 min
